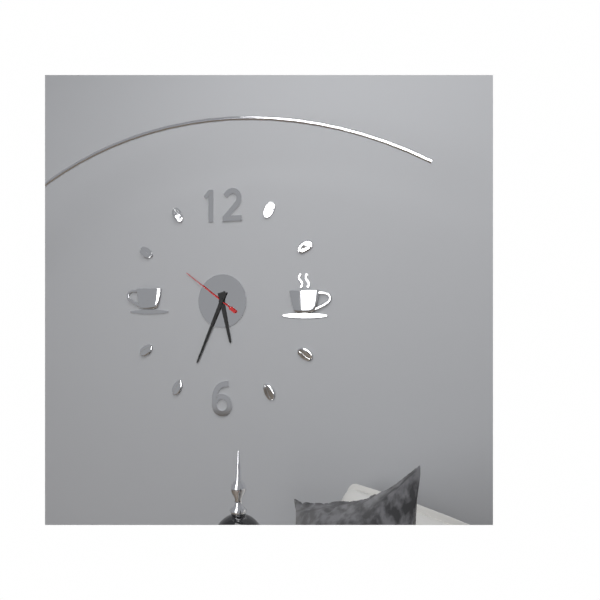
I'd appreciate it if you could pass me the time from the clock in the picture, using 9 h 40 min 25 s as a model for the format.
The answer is 5 h 34 min 51 s
